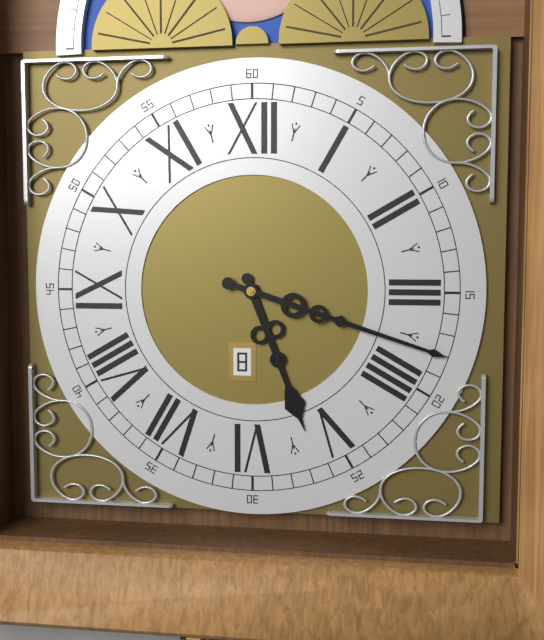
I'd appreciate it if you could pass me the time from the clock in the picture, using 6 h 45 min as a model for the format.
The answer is 5 h 18 min
